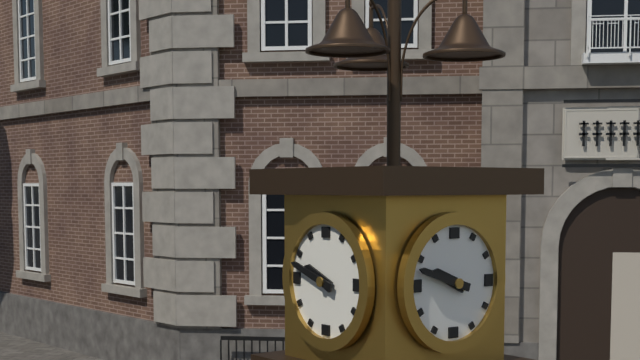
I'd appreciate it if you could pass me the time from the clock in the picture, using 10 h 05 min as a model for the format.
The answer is 9 h 48 min
